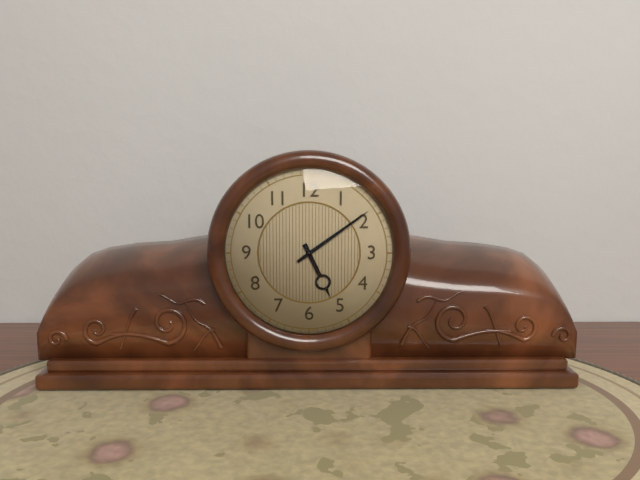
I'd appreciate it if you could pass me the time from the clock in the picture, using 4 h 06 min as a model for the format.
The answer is 5 h 09 min
